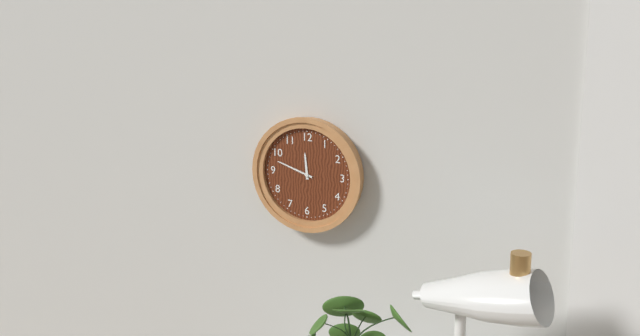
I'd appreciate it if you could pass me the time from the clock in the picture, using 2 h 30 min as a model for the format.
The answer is 11 h 48 min
